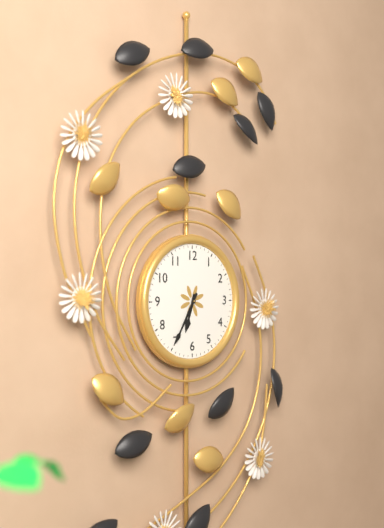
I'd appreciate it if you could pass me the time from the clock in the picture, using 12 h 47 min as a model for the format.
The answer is 6 h 35 min
